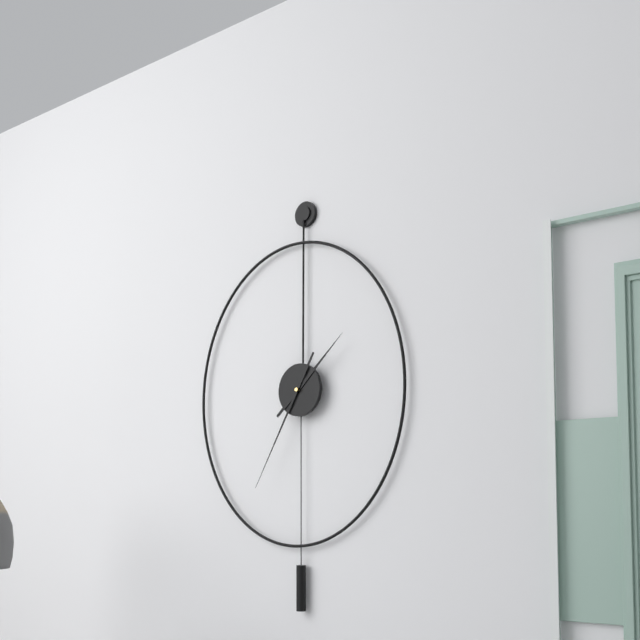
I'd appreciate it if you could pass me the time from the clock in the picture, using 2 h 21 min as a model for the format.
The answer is 1 h 35 min
